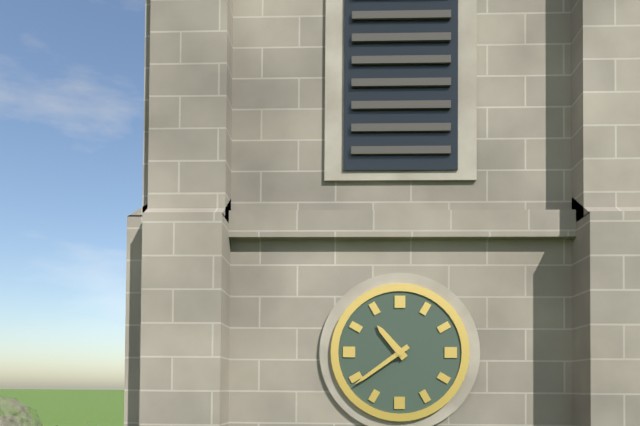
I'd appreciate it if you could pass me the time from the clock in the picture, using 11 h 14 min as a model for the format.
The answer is 10 h 39 min
